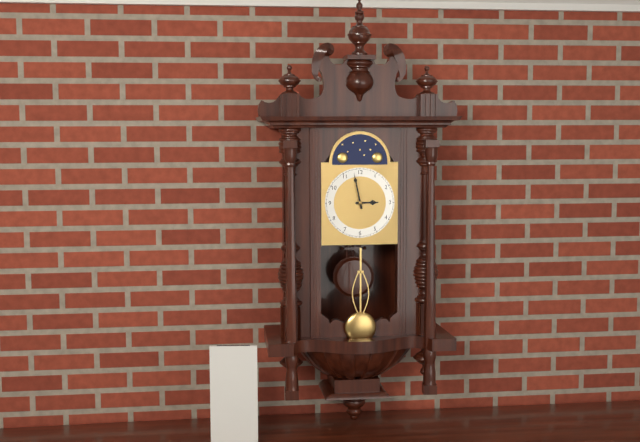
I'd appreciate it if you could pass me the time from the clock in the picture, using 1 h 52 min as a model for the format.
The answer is 2 h 58 min
